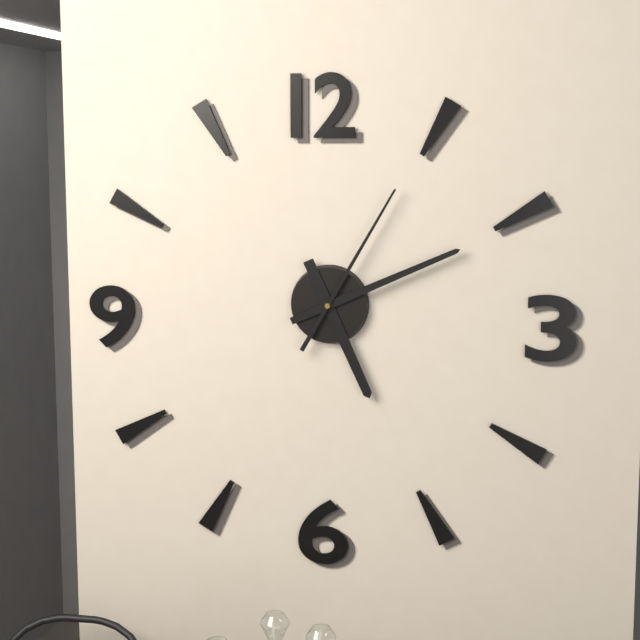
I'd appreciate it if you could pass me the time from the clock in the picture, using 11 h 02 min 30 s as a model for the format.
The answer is 5 h 11 min 05 s
